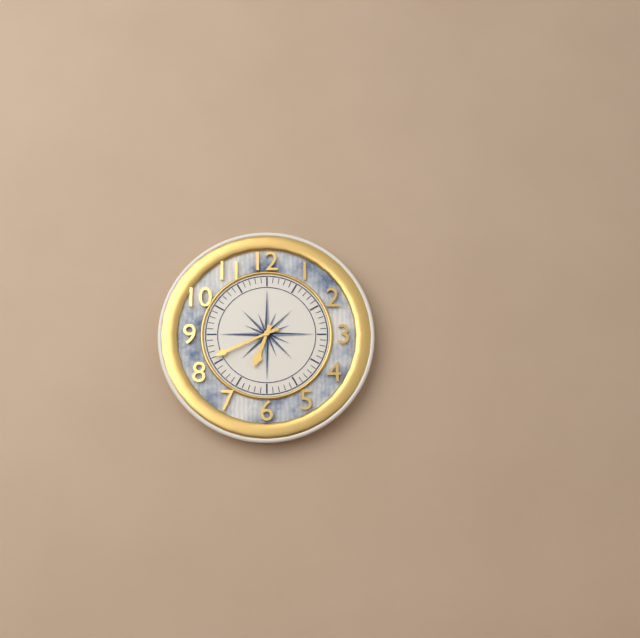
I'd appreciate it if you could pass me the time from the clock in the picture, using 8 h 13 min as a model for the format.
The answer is 6 h 41 min
